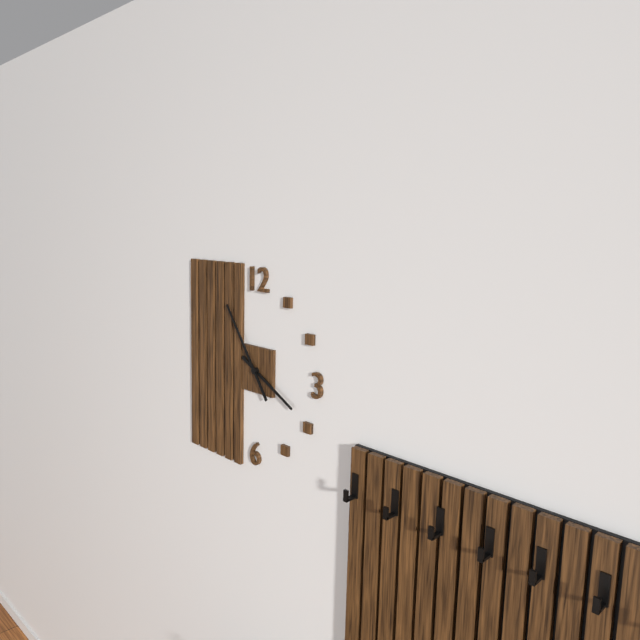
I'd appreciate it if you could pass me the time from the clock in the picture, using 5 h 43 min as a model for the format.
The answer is 3 h 54 min
